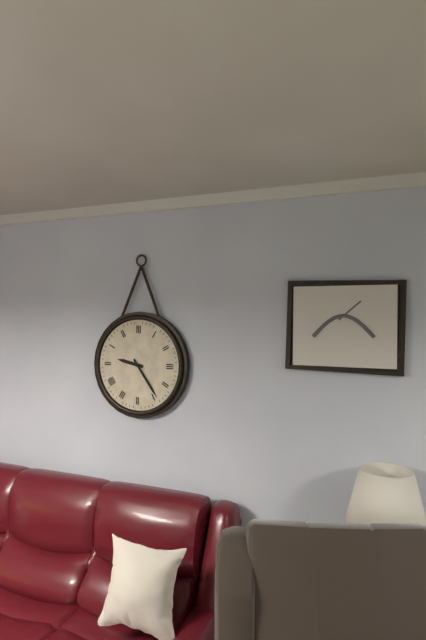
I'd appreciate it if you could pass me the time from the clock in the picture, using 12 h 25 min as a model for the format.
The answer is 9 h 24 min
